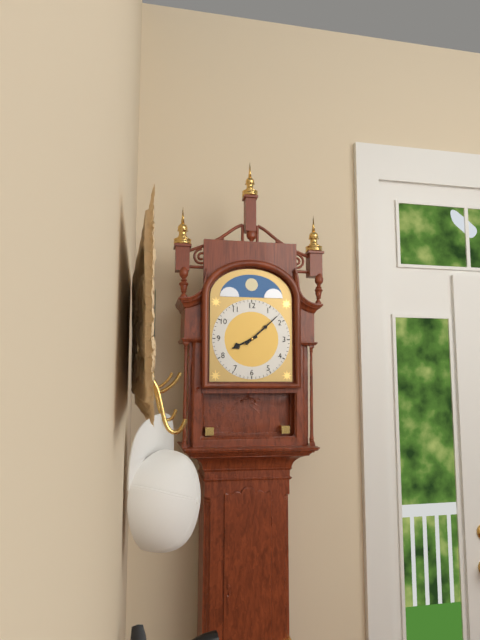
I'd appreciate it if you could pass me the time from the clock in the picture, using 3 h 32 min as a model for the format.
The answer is 8 h 08 min
